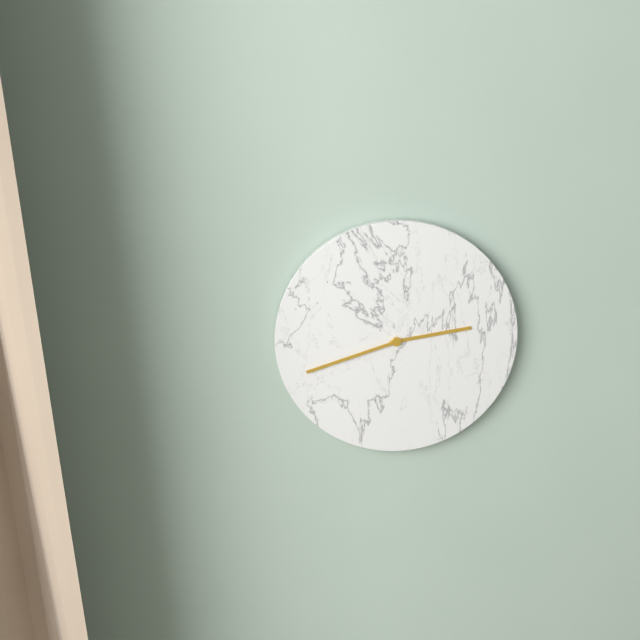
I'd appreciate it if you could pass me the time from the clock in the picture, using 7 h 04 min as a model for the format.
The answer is 2 h 42 min
